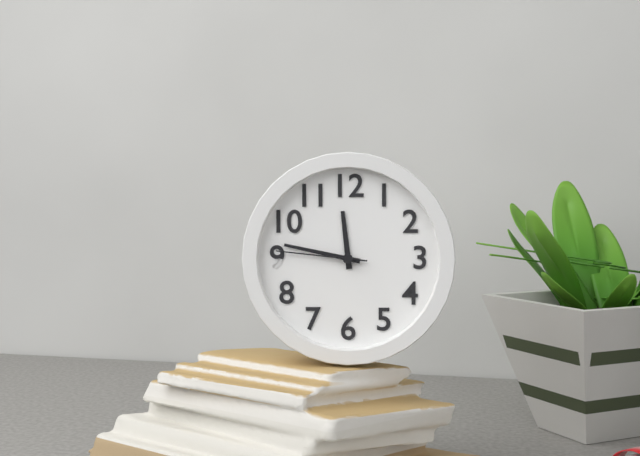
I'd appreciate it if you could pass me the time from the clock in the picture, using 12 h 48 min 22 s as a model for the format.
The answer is 11 h 47 min 46 s
